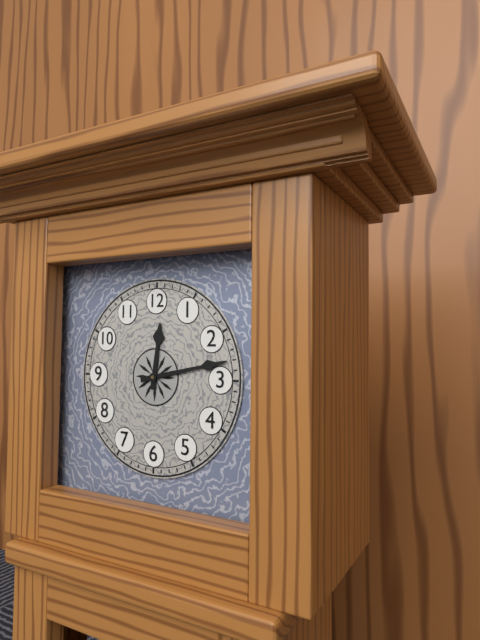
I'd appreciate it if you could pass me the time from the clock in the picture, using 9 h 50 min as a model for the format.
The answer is 12 h 13 min
